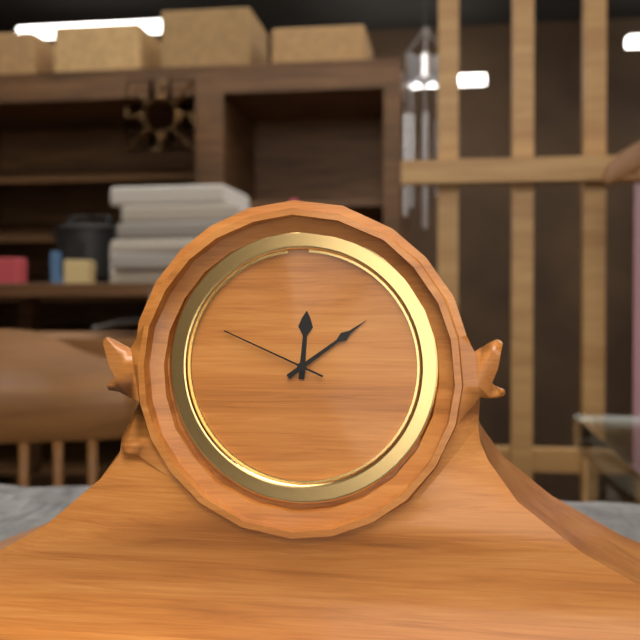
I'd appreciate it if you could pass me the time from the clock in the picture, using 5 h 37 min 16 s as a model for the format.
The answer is 12 h 09 min 49 s
